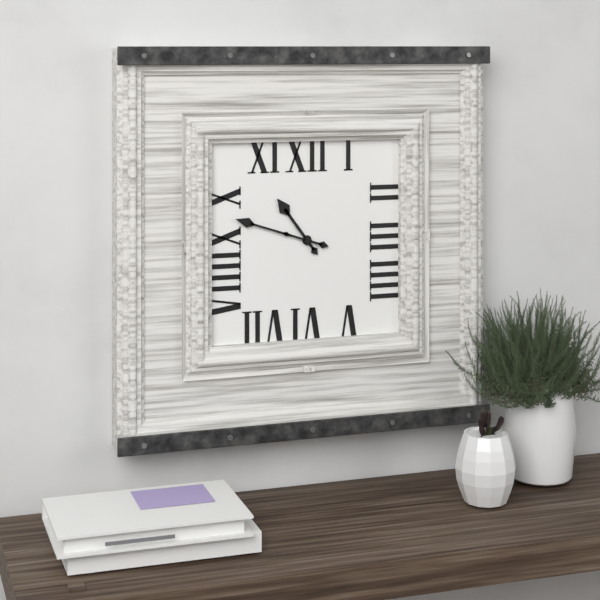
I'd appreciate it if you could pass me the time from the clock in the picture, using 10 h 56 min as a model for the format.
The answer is 10 h 48 min
